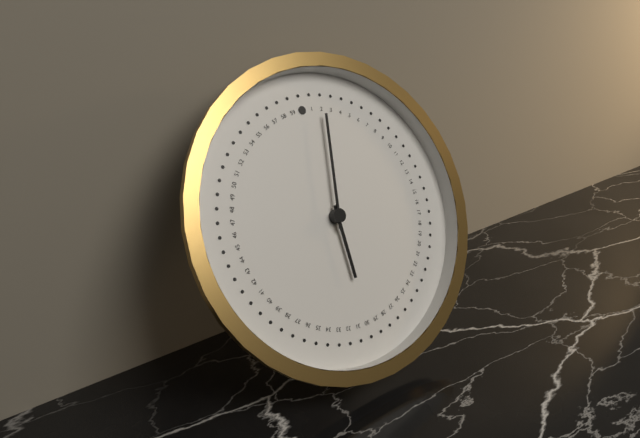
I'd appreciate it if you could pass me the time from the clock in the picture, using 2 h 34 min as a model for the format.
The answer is 6 h 02 min
